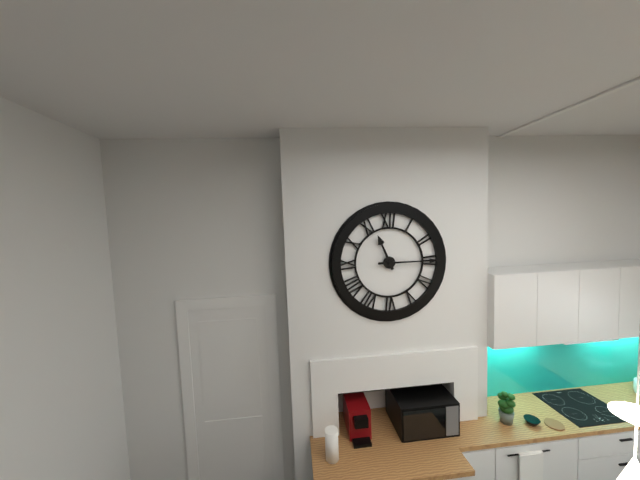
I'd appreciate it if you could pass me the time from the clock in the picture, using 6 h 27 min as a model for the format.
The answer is 11 h 15 min
